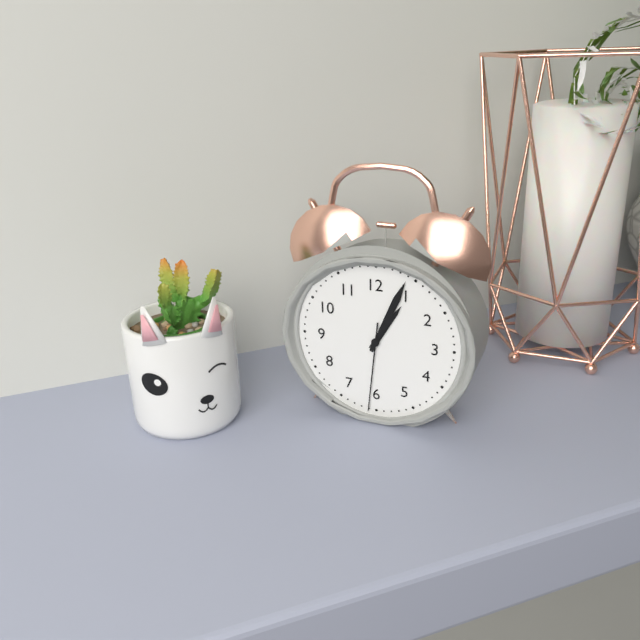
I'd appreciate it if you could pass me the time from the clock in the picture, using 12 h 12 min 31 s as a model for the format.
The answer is 1 h 04 min 31 s
